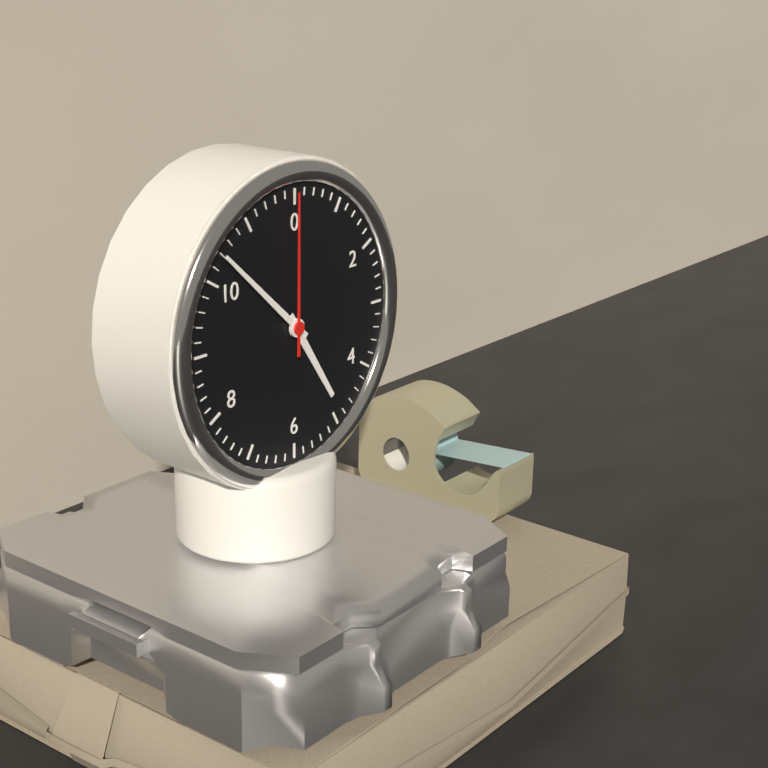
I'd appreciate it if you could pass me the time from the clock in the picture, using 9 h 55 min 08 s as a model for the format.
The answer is 4 h 52 min 00 s
